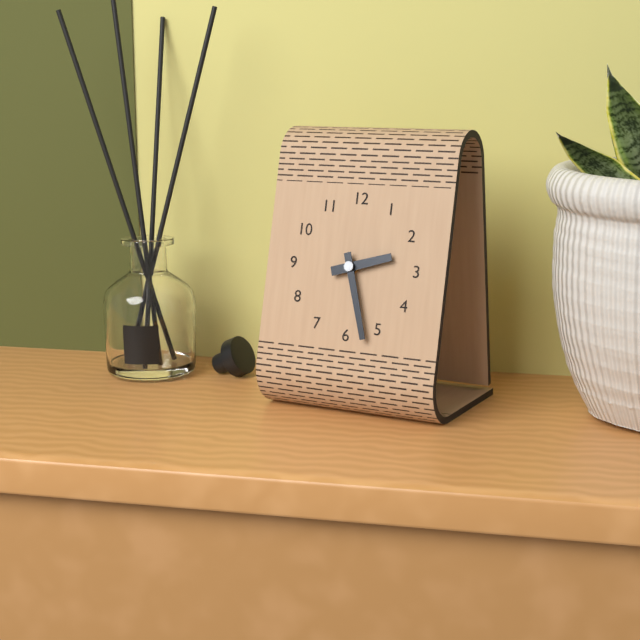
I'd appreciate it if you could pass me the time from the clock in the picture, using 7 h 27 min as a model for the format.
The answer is 2 h 27 min
